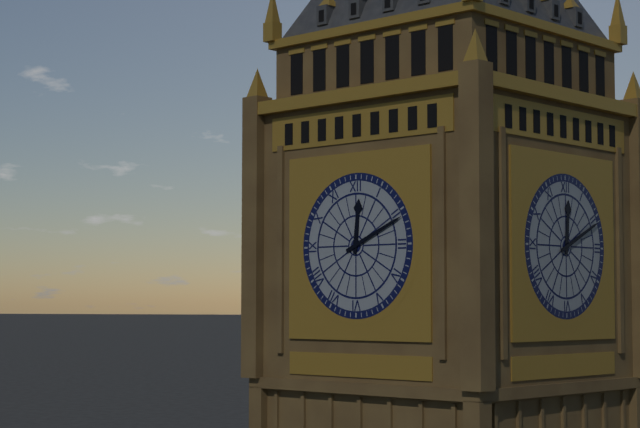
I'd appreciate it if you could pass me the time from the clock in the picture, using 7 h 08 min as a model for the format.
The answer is 12 h 11 min
